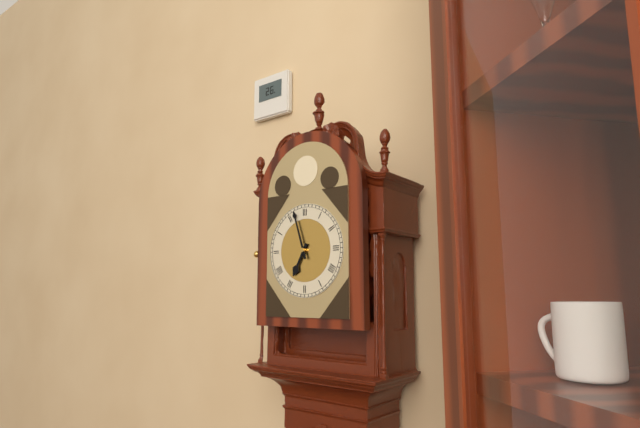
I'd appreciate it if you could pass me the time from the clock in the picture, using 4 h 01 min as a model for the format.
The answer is 6 h 57 min
